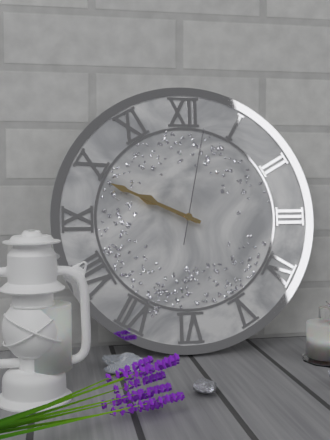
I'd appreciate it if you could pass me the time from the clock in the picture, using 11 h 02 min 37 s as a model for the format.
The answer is 9 h 49 min 02 s
